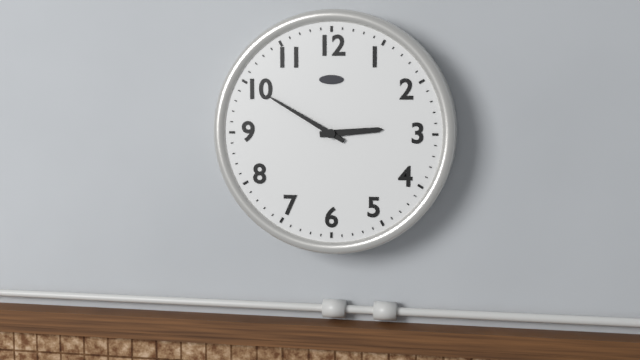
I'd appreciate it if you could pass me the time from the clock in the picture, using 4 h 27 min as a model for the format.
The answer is 2 h 50 min
